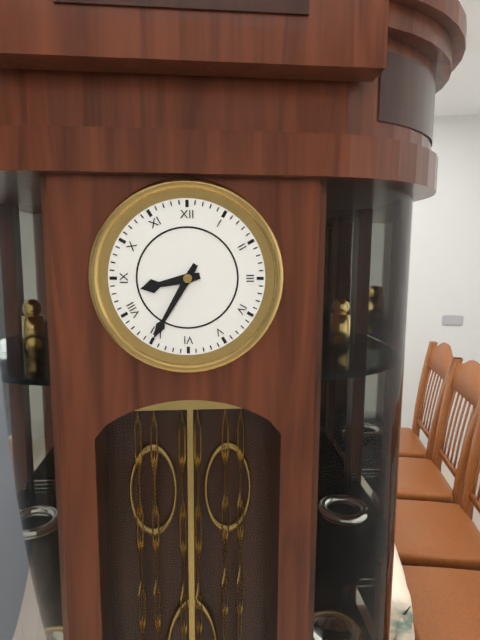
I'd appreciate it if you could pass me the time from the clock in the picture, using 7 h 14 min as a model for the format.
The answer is 8 h 35 min
